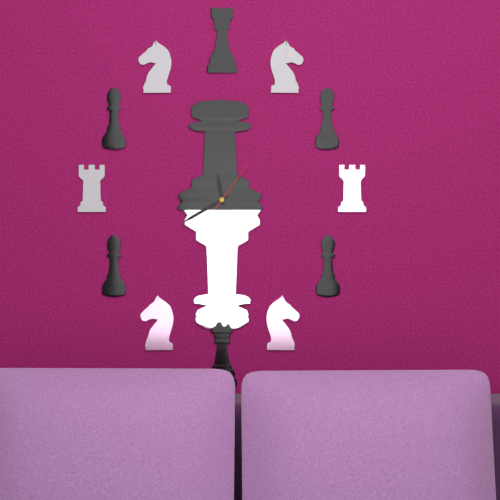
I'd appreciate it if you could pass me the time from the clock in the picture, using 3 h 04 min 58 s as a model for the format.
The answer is 11 h 40 min 06 s
